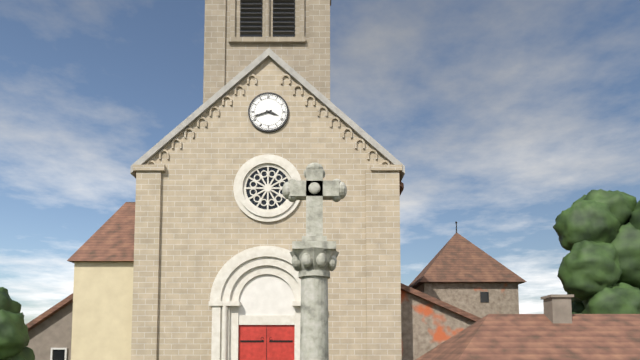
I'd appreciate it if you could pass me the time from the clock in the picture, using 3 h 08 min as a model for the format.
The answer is 3 h 42 min
